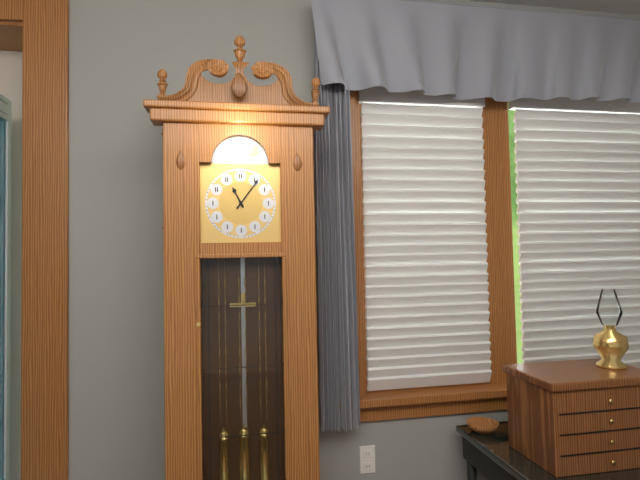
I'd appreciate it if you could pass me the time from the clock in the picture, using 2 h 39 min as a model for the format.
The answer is 11 h 06 min
